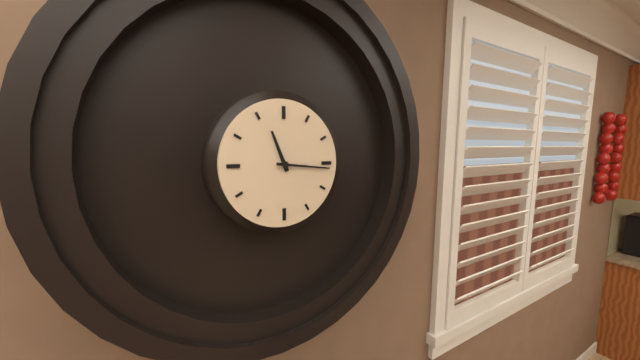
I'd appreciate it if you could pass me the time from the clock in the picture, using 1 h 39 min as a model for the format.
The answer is 11 h 16 min
